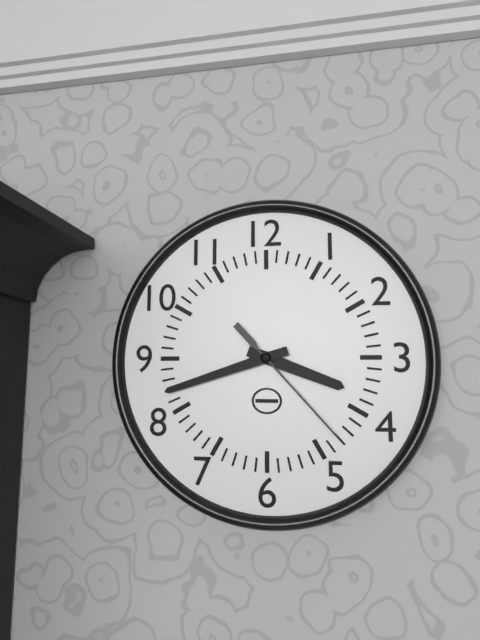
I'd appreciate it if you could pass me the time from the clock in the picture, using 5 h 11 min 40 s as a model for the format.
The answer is 3 h 42 min 23 s
